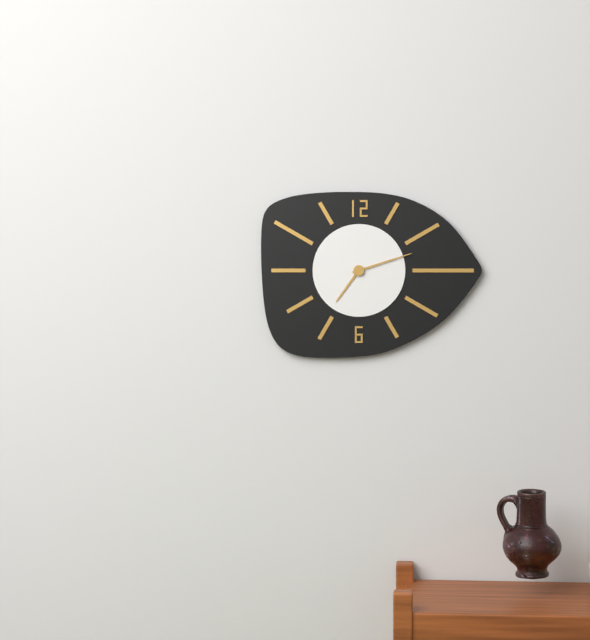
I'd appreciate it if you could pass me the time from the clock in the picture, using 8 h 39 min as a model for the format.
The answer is 7 h 12 min
